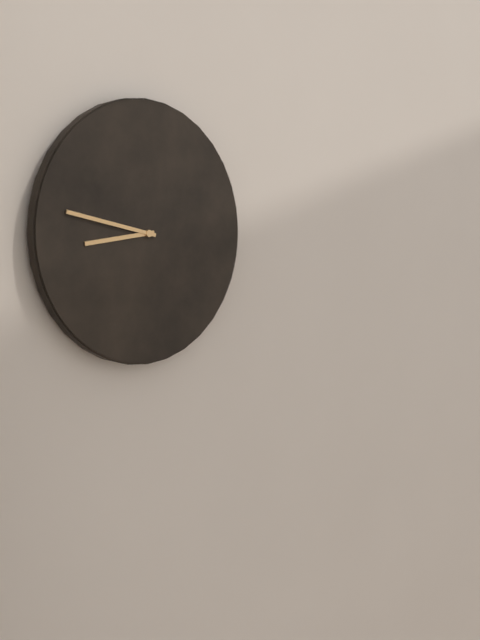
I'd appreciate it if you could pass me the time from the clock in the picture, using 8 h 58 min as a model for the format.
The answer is 8 h 47 min
